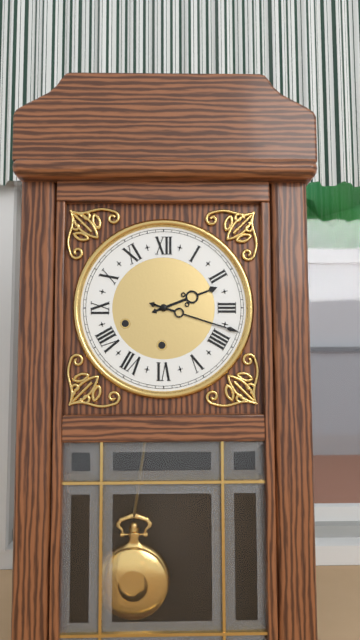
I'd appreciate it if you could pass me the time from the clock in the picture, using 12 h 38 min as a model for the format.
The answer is 2 h 18 min
